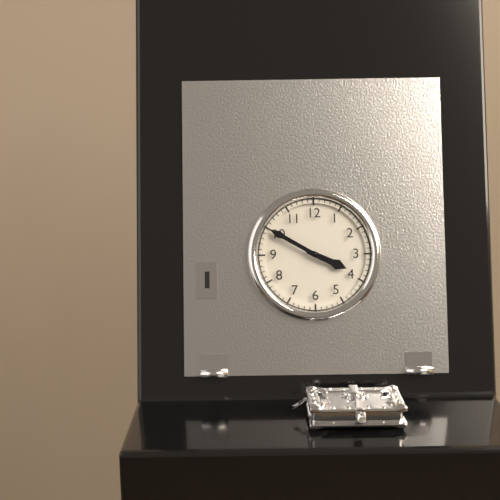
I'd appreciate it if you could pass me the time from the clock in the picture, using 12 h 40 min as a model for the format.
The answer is 3 h 50 min
